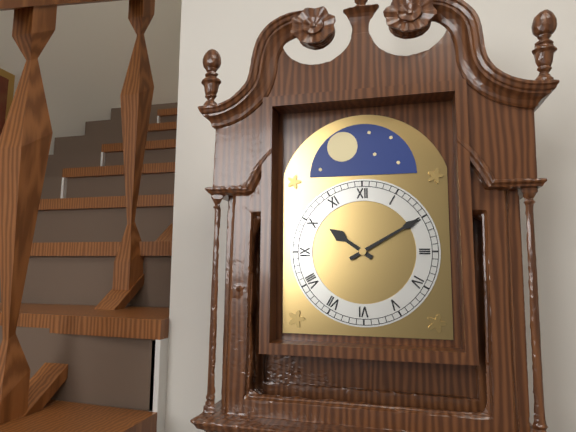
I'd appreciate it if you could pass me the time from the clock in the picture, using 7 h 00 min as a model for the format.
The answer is 10 h 10 min
